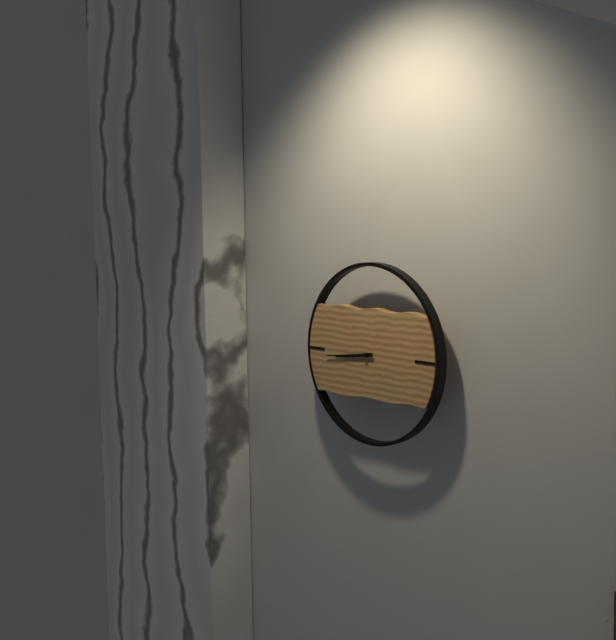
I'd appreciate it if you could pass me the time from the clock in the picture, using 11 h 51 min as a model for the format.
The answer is 8 h 44 min
